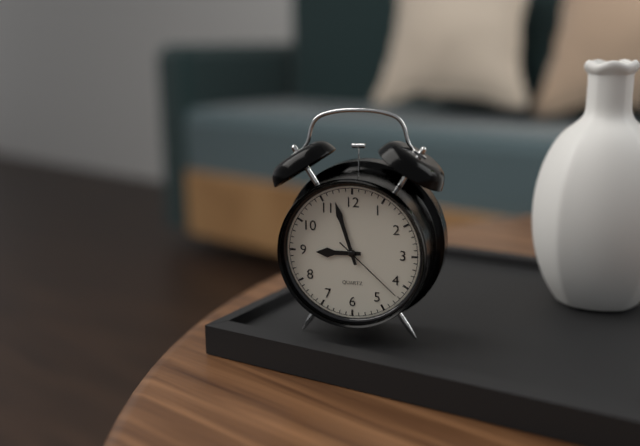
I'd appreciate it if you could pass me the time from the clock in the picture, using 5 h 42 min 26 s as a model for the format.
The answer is 8 h 57 min 22 s
